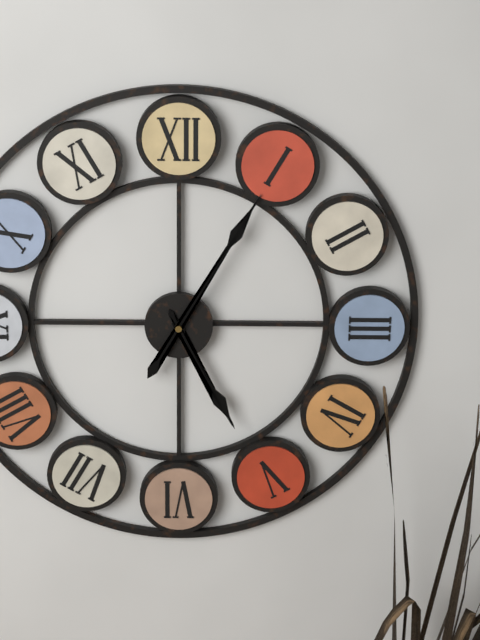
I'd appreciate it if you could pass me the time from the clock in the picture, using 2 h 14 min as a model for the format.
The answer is 5 h 05 min
